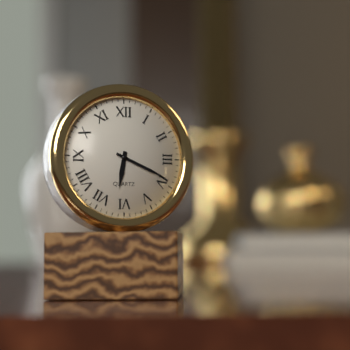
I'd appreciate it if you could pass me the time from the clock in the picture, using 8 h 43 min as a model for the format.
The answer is 6 h 19 min
